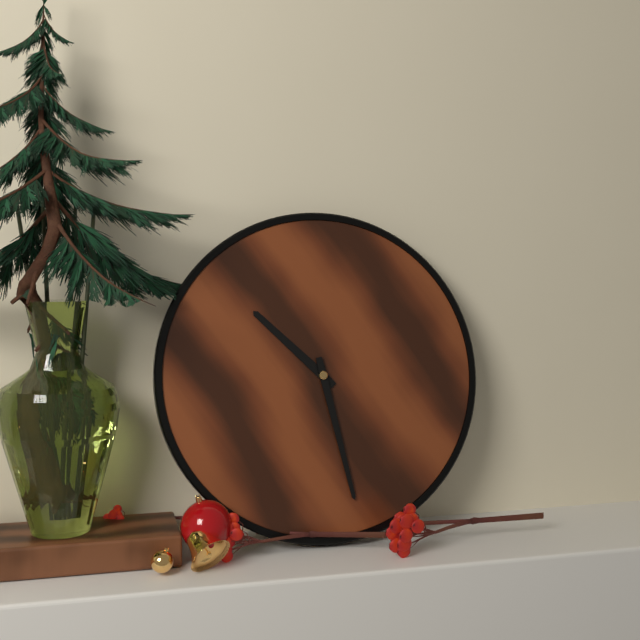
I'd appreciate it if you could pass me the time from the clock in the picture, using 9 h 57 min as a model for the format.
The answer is 10 h 28 min
